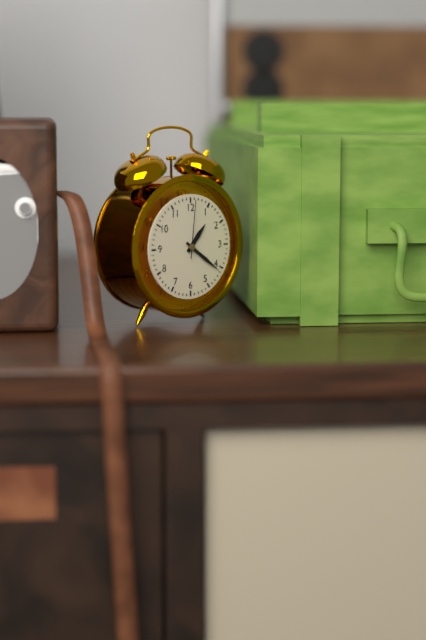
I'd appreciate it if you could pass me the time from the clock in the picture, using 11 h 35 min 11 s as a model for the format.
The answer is 1 h 21 min 01 s
